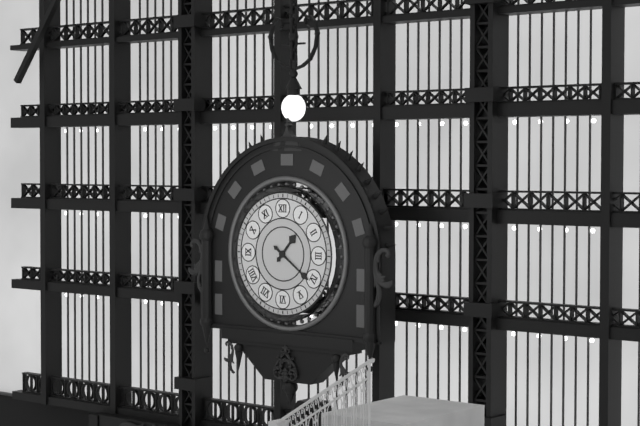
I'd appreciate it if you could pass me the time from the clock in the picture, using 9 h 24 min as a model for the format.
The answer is 1 h 21 min
